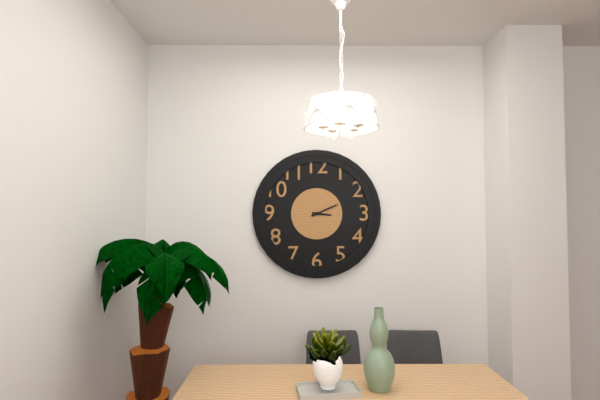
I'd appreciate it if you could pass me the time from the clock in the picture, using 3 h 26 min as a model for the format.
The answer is 3 h 11 min
